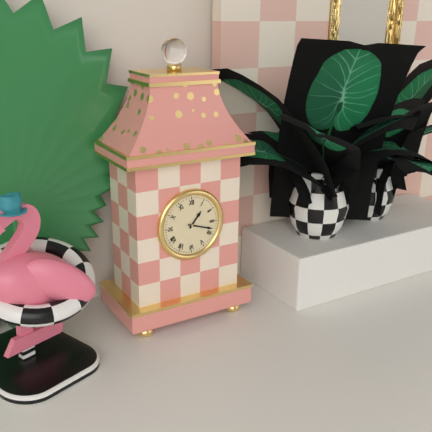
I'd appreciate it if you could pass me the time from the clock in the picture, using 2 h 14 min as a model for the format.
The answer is 1 h 18 min
